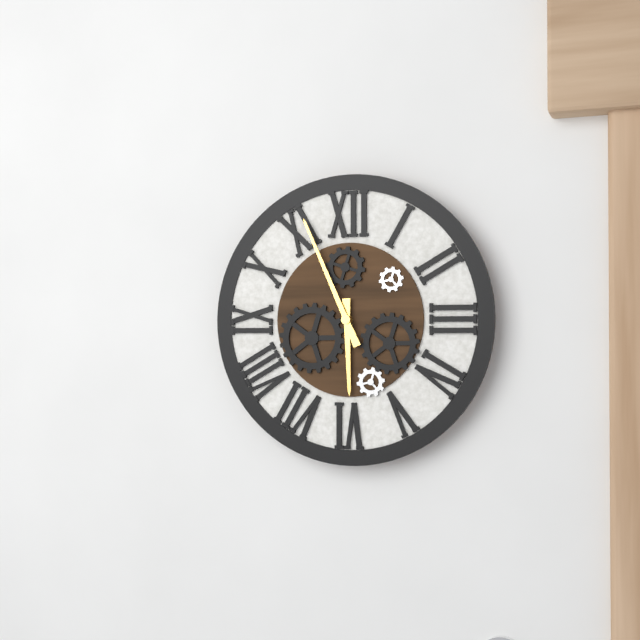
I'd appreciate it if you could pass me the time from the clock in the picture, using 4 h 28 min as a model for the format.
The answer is 5 h 56 min
